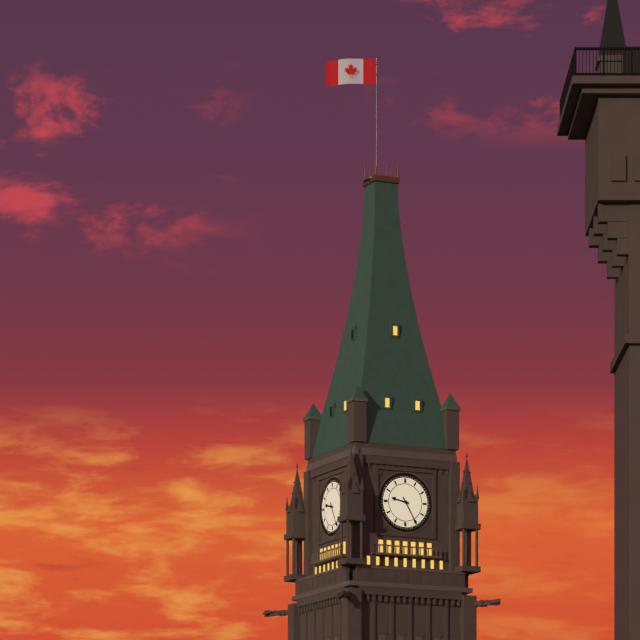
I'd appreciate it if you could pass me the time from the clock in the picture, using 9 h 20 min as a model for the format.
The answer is 9 h 25 min
